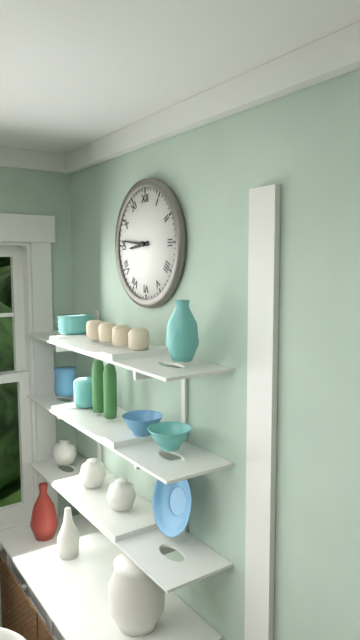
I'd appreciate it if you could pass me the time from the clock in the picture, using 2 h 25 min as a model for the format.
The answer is 8 h 46 min
